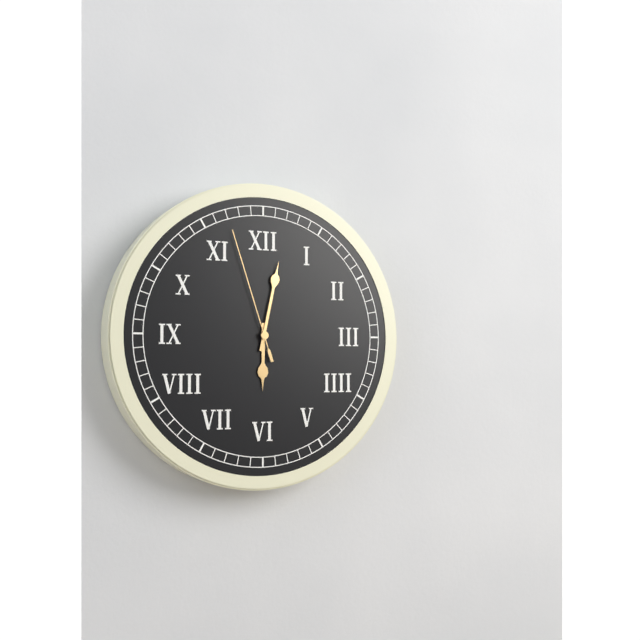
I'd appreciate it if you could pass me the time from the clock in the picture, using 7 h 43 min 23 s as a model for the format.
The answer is 6 h 02 min 57 s
